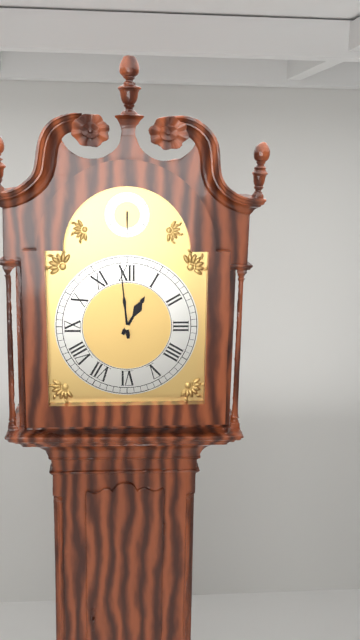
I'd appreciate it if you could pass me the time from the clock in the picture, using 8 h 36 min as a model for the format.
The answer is 12 h 59 min
